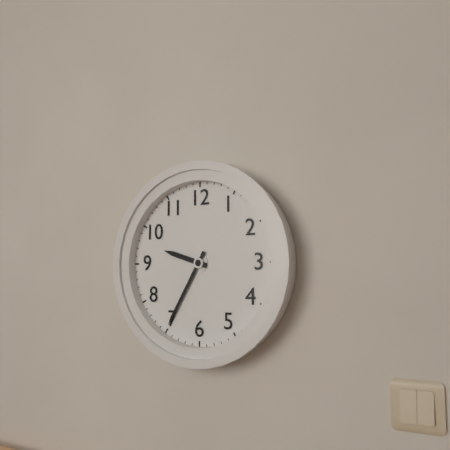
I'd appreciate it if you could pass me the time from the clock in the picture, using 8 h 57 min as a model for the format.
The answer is 9 h 35 min
